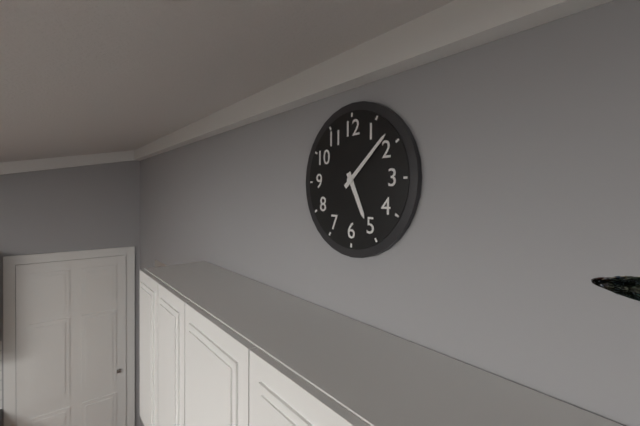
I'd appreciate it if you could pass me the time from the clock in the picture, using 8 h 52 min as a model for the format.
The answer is 5 h 08 min
